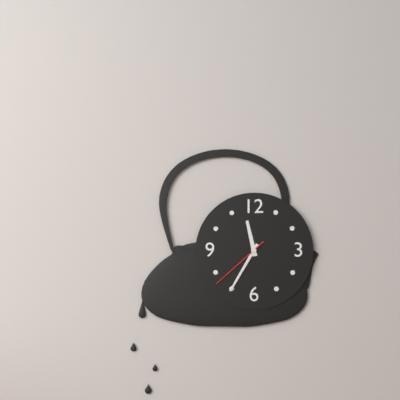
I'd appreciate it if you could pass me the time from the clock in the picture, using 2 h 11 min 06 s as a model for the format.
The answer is 11 h 35 min 38 s
